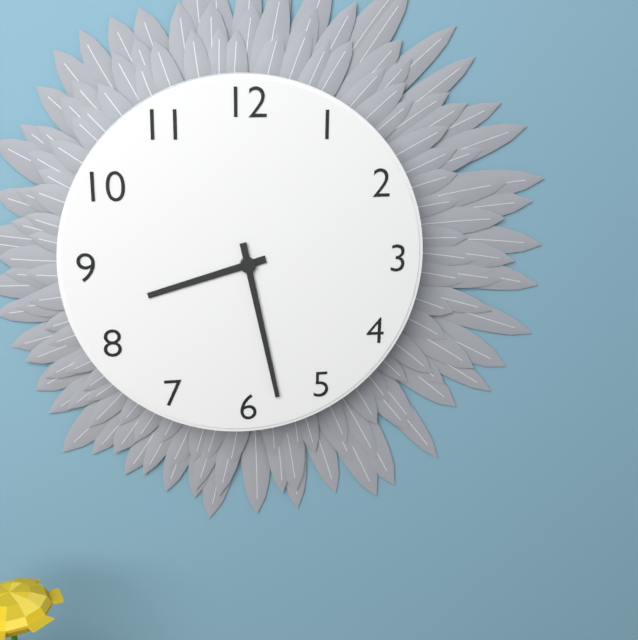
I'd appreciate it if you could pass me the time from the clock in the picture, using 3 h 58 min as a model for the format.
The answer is 8 h 28 min
